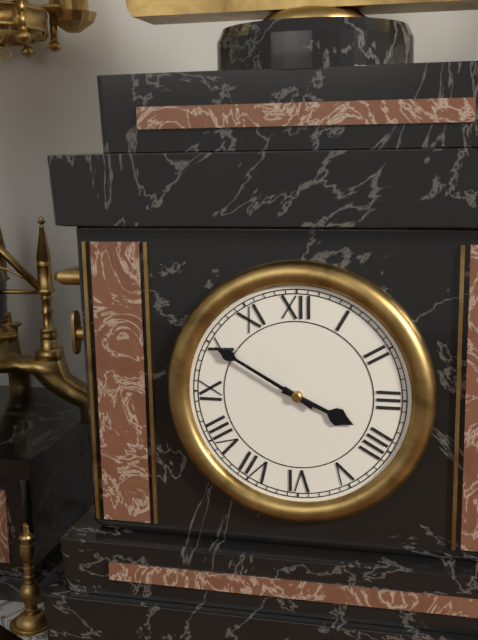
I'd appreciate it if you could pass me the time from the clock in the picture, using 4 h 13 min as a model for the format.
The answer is 3 h 50 min
